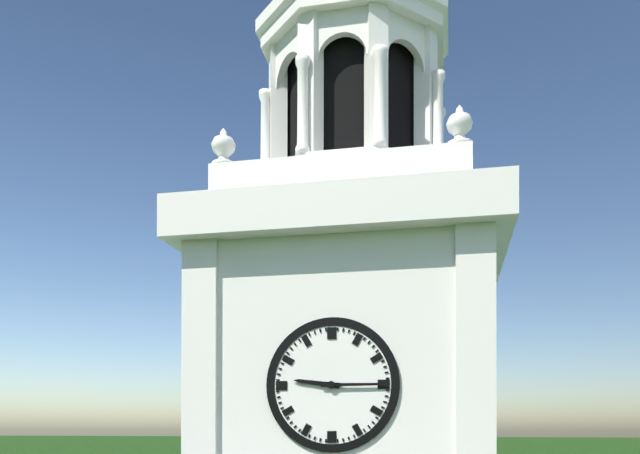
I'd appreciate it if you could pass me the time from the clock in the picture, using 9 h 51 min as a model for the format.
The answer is 9 h 15 min
